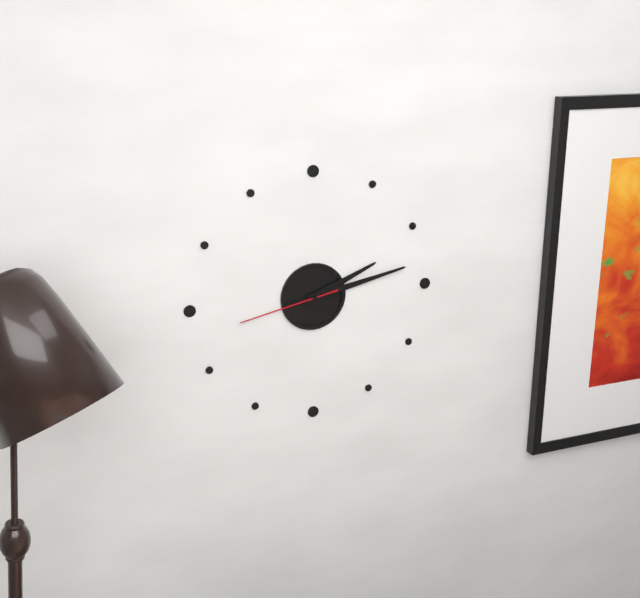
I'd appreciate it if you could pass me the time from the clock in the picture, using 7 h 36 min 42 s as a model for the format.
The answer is 2 h 13 min 43 s
